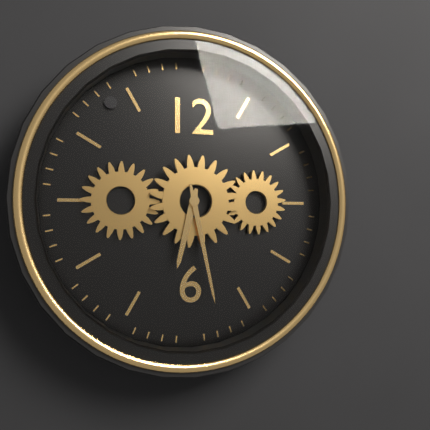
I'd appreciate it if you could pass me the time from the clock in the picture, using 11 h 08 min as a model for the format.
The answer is 6 h 28 min
